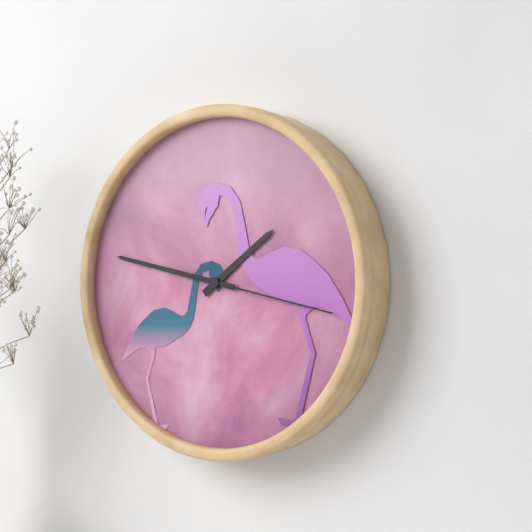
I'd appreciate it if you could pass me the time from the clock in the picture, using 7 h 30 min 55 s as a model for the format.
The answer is 1 h 47 min 17 s
